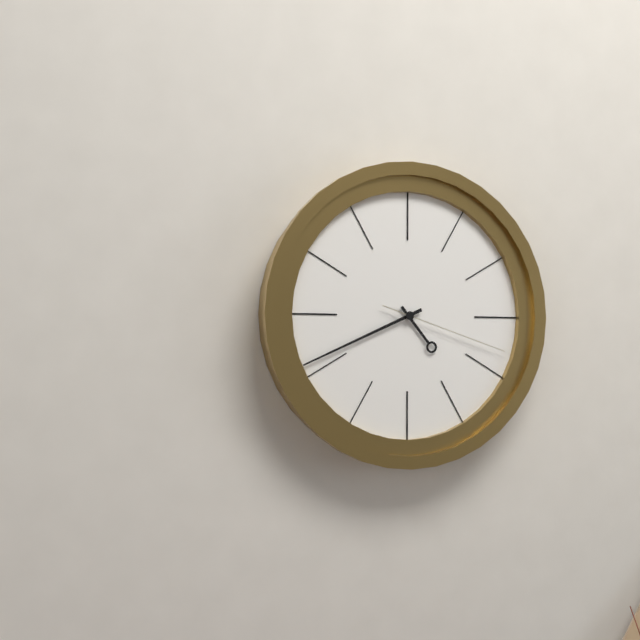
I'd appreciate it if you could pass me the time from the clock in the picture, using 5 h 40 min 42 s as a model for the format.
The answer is 4 h 41 min 18 s
